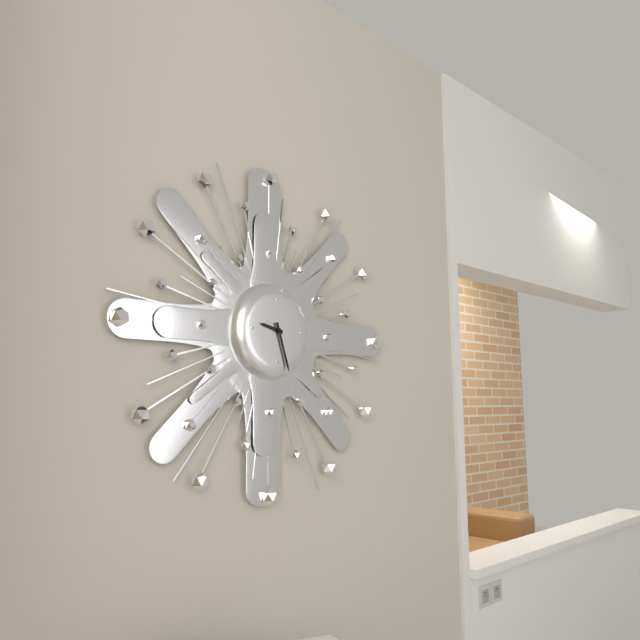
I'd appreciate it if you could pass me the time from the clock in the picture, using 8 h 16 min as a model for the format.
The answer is 9 h 27 min
